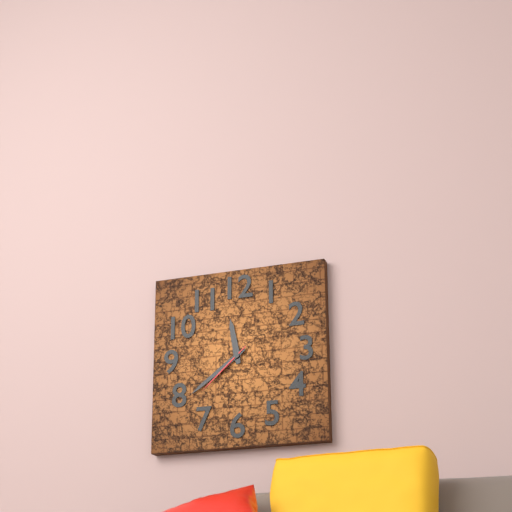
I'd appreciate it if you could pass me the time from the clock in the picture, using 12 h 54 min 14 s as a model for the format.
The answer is 11 h 39 min 38 s
